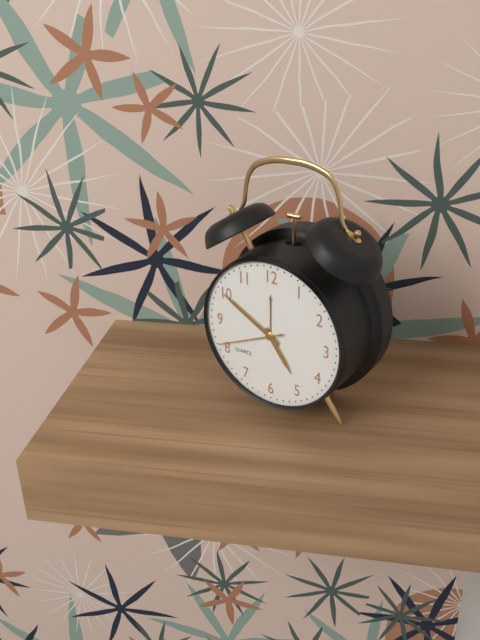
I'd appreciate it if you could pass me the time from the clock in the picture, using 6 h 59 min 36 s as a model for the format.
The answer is 4 h 50 min 41 s
